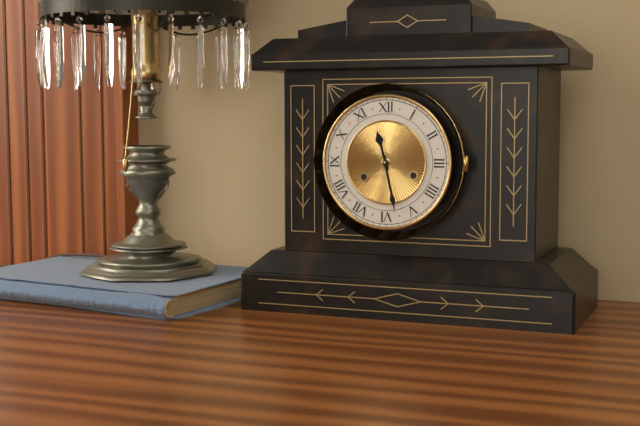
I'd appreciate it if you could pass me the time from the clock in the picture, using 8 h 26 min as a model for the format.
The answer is 11 h 28 min
